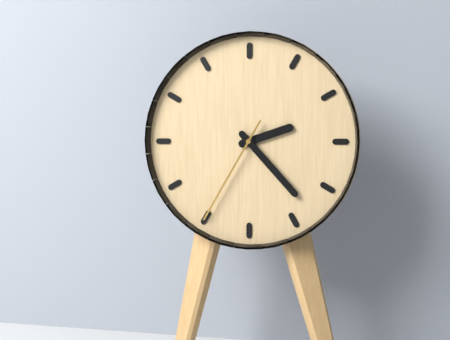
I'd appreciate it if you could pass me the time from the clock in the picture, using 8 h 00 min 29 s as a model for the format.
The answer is 2 h 23 min 35 s
